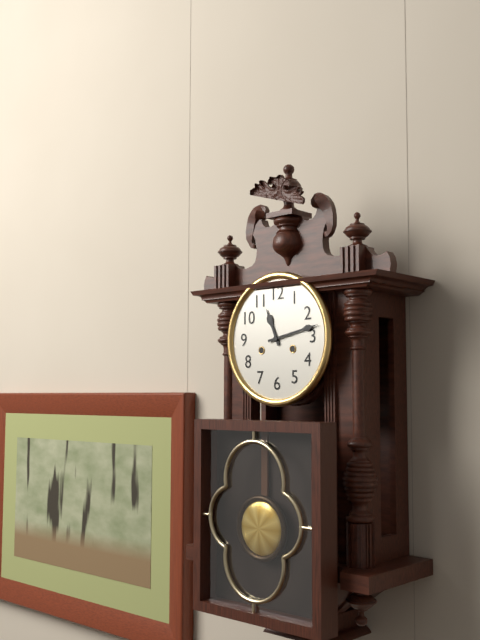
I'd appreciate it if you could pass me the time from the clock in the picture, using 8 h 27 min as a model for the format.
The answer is 11 h 13 min
